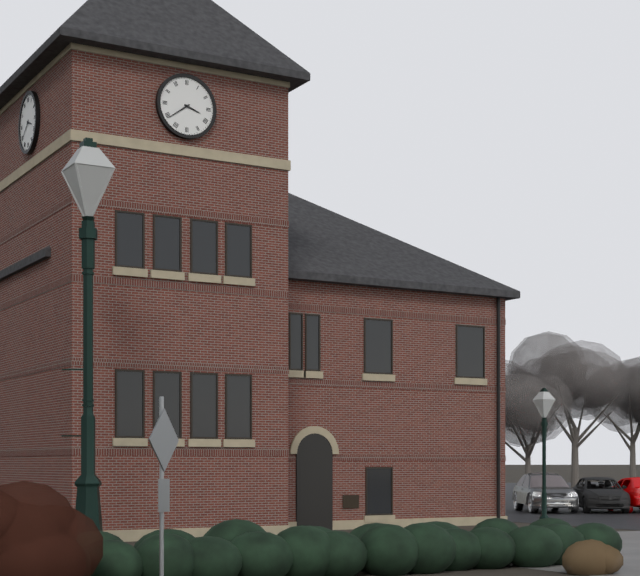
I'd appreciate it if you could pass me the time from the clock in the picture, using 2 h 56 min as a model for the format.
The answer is 3 h 39 min
